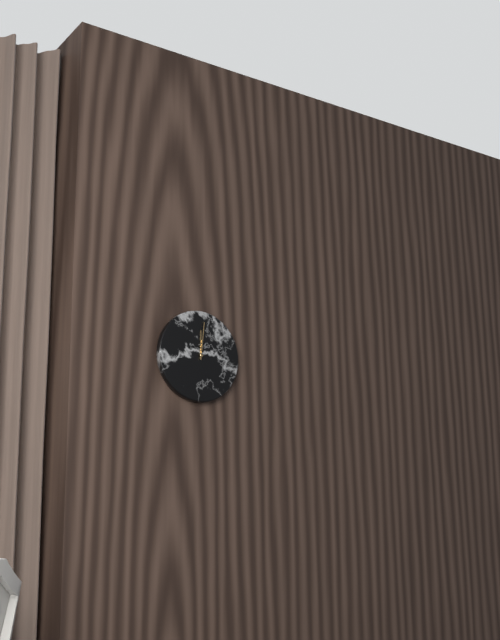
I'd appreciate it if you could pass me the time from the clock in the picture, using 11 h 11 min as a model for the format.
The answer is 12 h 01 min
